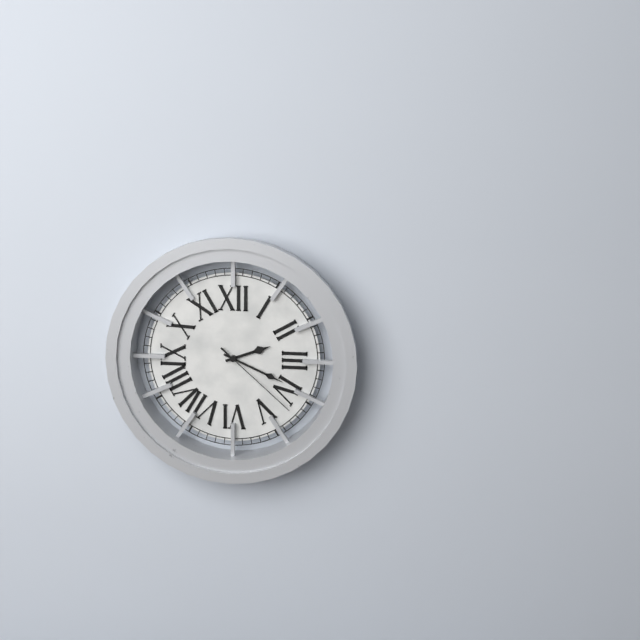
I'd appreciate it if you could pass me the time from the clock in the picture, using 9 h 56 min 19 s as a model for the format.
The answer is 2 h 19 min 22 s
